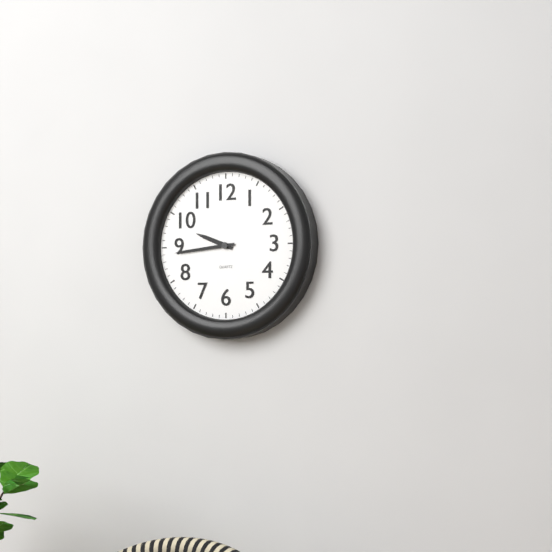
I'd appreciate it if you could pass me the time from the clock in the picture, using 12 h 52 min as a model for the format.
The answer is 9 h 44 min
